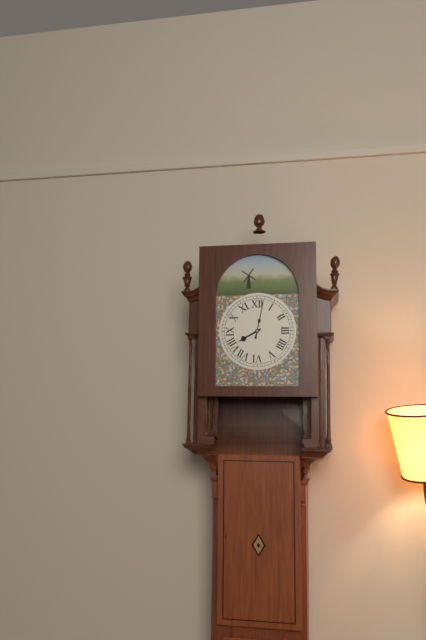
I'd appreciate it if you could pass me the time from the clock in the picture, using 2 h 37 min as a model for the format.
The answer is 8 h 02 min
